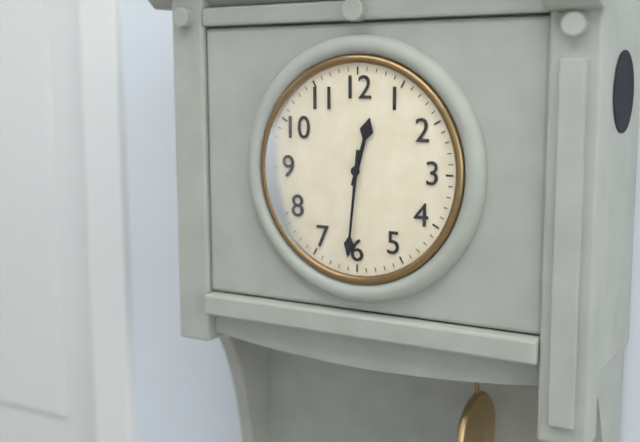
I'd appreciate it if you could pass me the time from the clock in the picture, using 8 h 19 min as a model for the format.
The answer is 12 h 31 min
